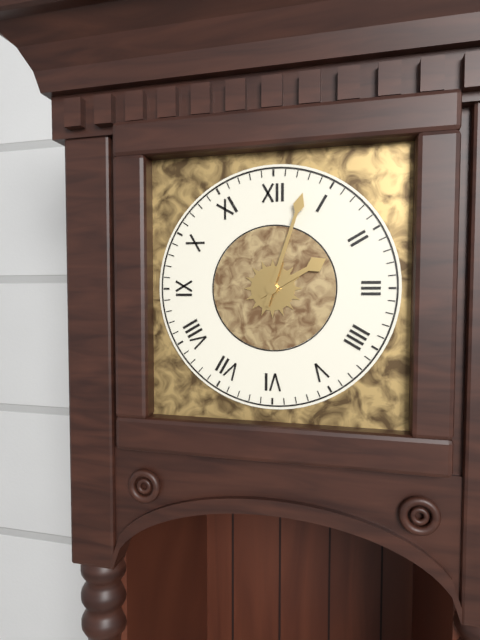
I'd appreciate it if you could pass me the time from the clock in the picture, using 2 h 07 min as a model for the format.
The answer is 2 h 03 min
